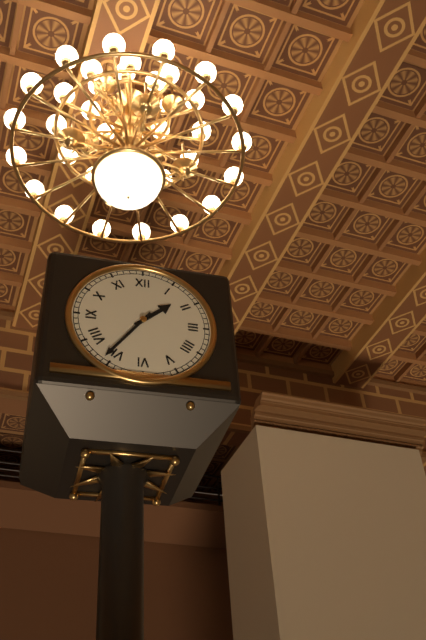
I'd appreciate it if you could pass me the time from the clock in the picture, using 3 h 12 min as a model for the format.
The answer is 1 h 36 min
